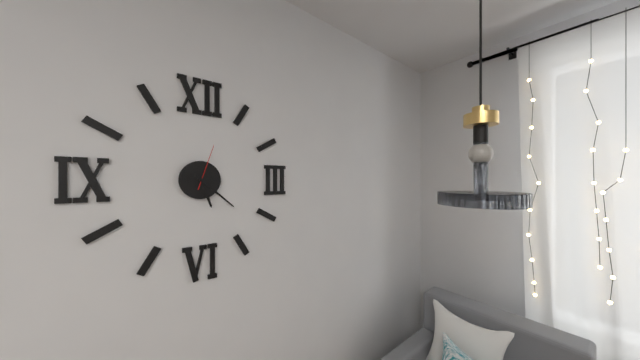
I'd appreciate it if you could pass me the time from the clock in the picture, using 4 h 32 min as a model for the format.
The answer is 5 h 22 min
